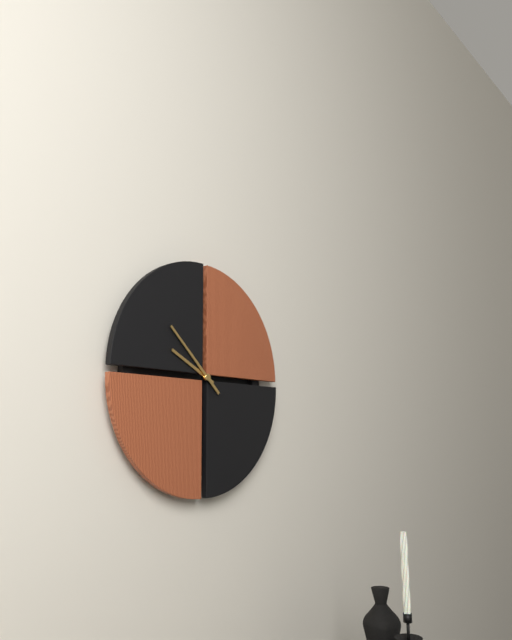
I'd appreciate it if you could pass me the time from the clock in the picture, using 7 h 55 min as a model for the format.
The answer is 9 h 52 min
